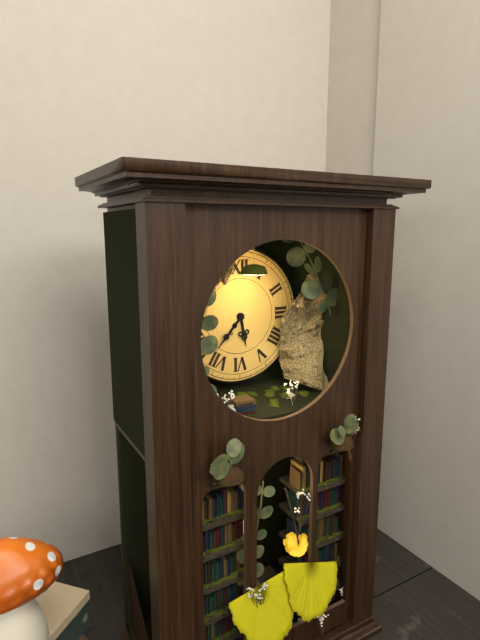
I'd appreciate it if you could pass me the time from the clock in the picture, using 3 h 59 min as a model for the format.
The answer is 5 h 37 min
